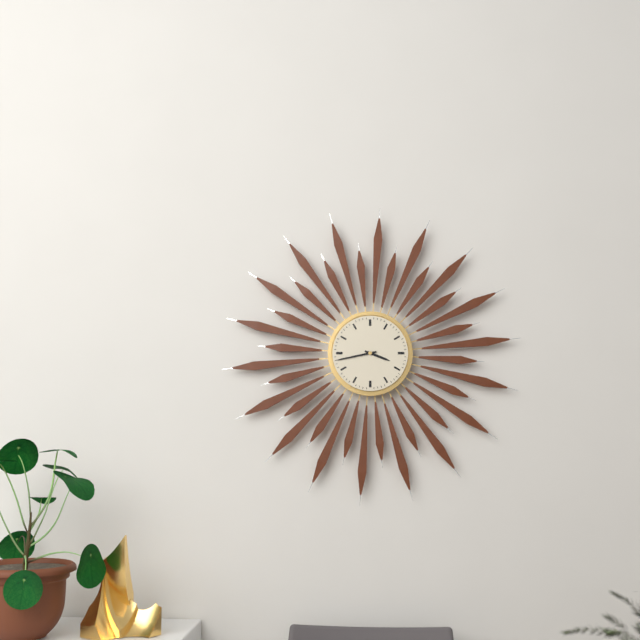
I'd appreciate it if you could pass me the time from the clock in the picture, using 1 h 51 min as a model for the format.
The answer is 3 h 43 min
